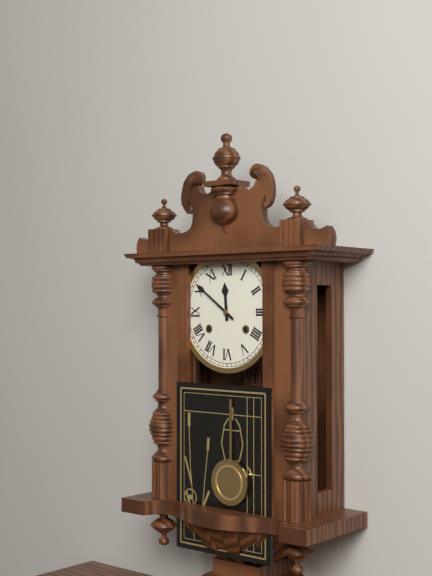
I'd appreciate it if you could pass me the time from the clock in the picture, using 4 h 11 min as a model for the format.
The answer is 11 h 51 min
